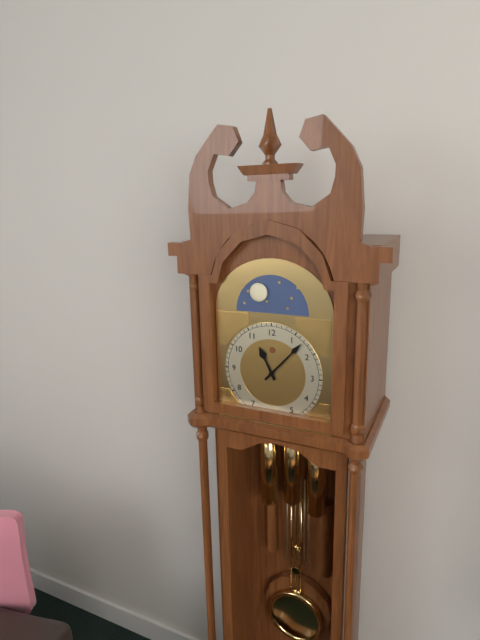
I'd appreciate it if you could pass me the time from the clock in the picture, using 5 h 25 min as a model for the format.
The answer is 11 h 07 min
